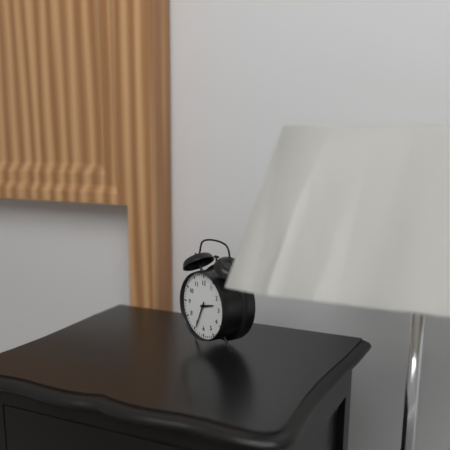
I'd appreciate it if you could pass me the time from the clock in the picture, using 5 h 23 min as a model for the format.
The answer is 2 h 34 min
